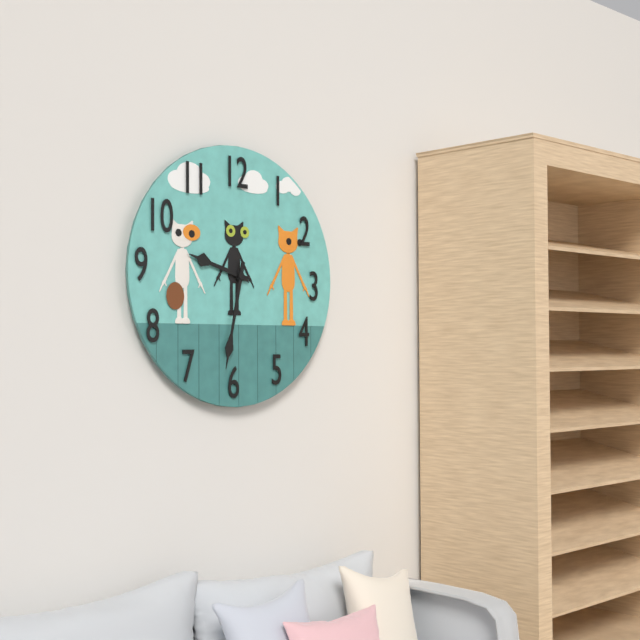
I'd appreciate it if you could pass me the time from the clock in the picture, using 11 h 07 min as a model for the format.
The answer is 9 h 32 min
